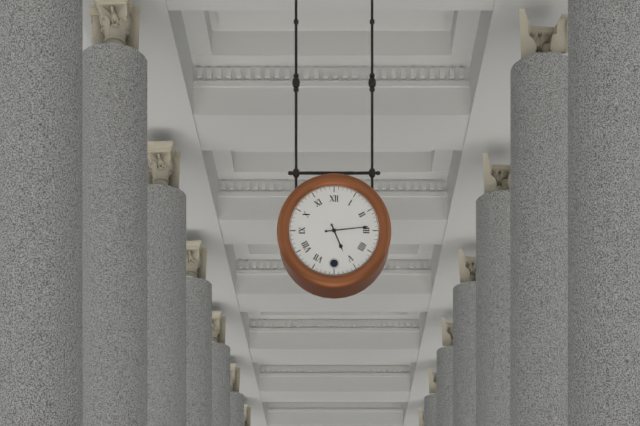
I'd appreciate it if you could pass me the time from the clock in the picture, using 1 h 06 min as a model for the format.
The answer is 5 h 14 min
